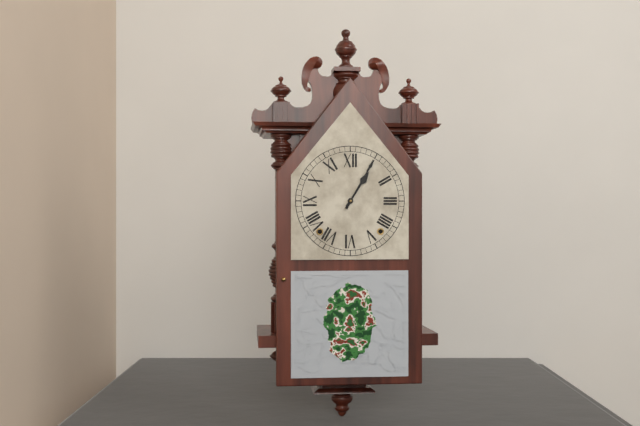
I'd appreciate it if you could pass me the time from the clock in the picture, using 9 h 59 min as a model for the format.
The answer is 1 h 05 min
